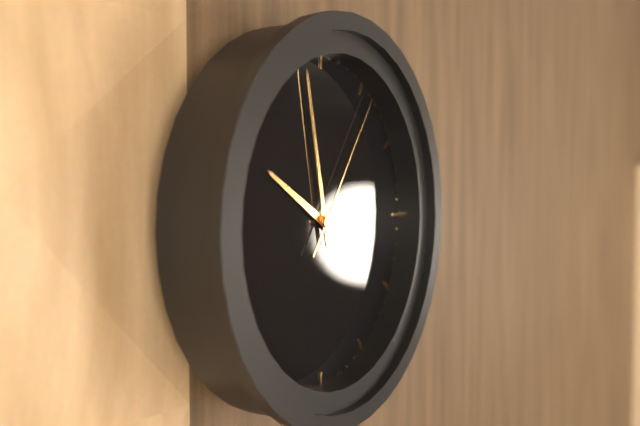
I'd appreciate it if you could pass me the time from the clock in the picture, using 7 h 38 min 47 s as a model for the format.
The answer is 9 h 58 min 06 s
